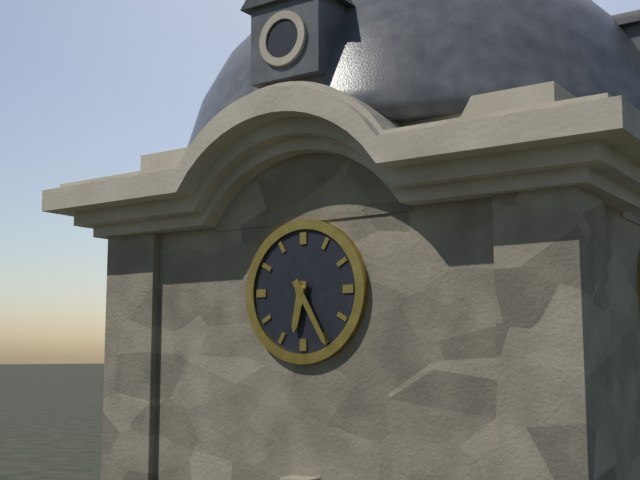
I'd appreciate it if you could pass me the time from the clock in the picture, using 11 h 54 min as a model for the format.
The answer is 6 h 25 min
